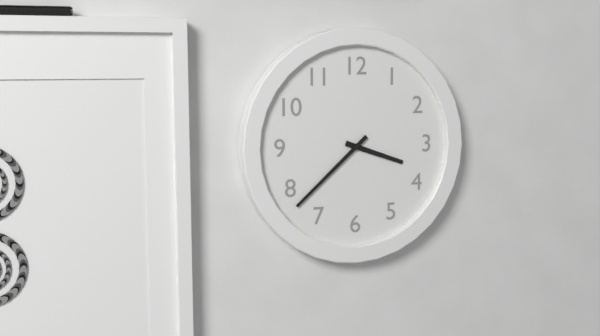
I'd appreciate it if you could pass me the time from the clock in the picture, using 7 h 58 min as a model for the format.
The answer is 3 h 38 min
